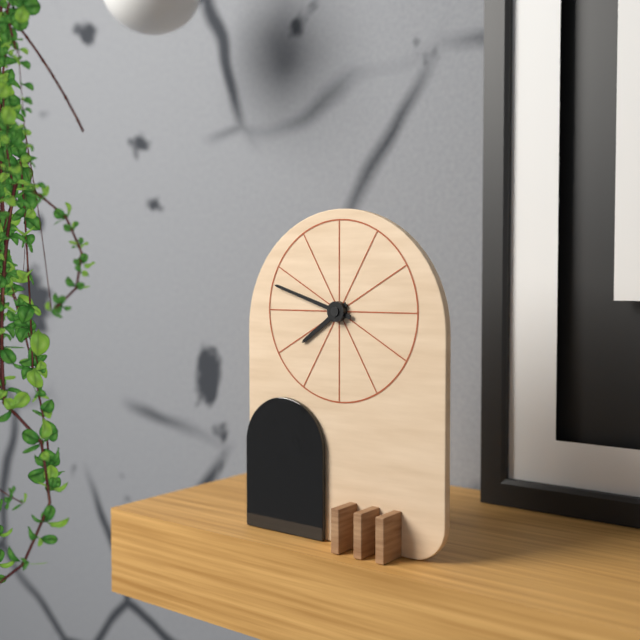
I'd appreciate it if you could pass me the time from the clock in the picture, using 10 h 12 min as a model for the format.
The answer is 7 h 48 min
